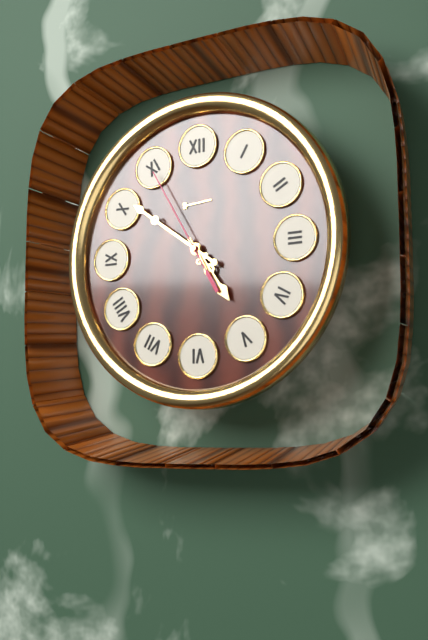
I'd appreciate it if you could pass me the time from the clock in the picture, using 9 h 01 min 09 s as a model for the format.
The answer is 4 h 51 min 55 s
